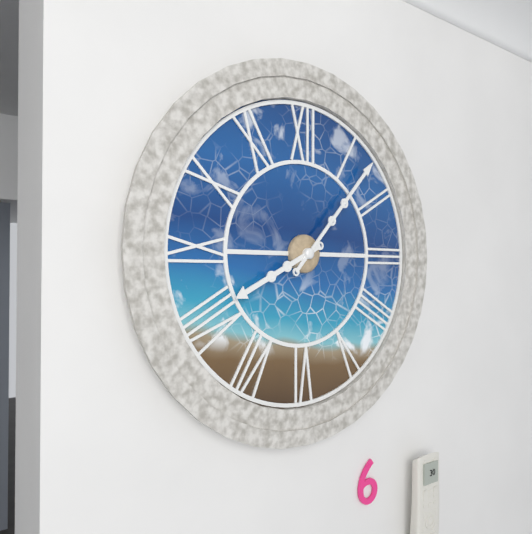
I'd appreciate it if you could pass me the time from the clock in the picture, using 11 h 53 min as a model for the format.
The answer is 8 h 07 min
